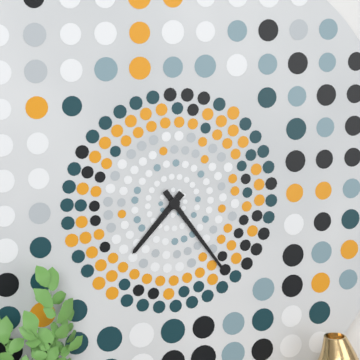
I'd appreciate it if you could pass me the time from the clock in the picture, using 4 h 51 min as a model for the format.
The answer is 7 h 24 min
